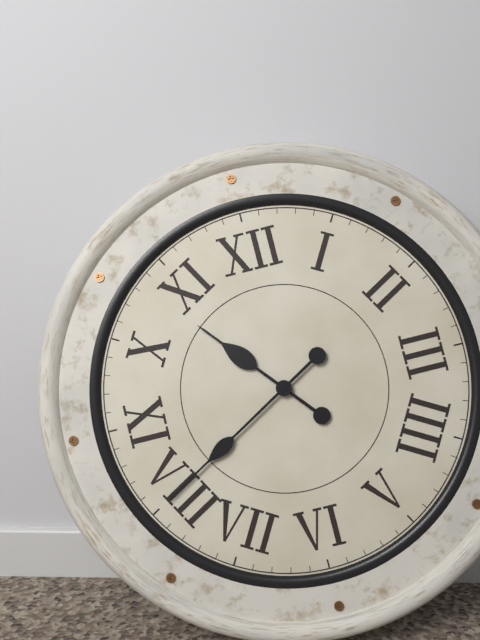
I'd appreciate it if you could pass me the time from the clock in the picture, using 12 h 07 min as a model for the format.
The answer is 10 h 40 min
